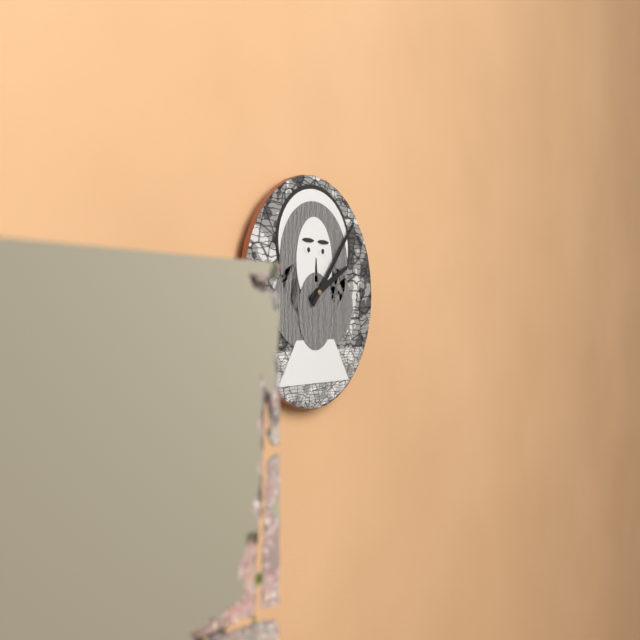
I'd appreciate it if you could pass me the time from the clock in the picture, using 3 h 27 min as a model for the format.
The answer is 2 h 07 min
